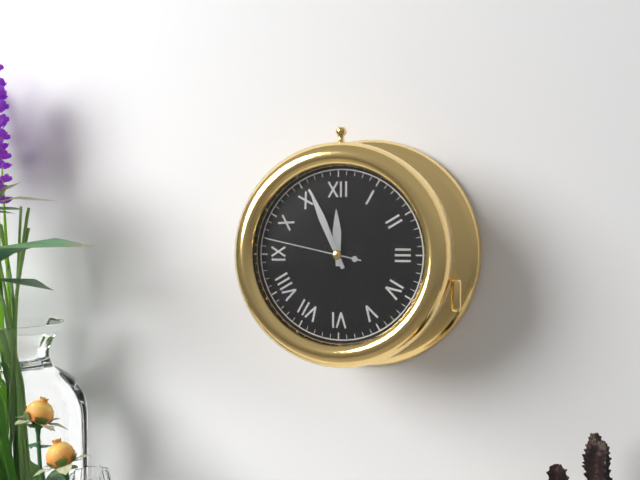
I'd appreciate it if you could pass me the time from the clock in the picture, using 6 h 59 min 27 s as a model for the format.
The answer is 11 h 56 min 47 s
